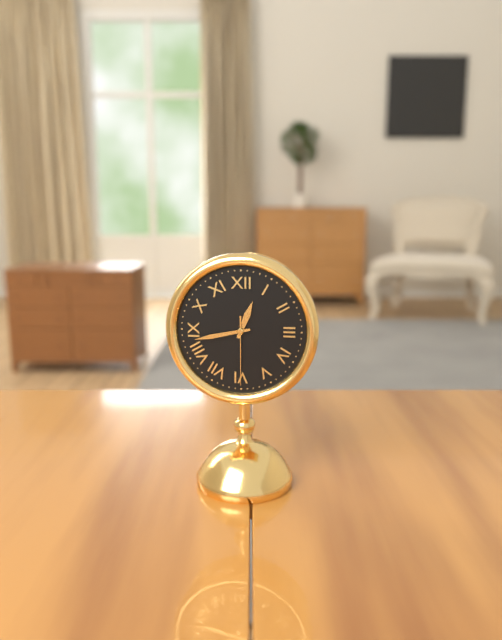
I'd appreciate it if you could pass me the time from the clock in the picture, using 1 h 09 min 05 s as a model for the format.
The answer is 12 h 43 min 30 s
